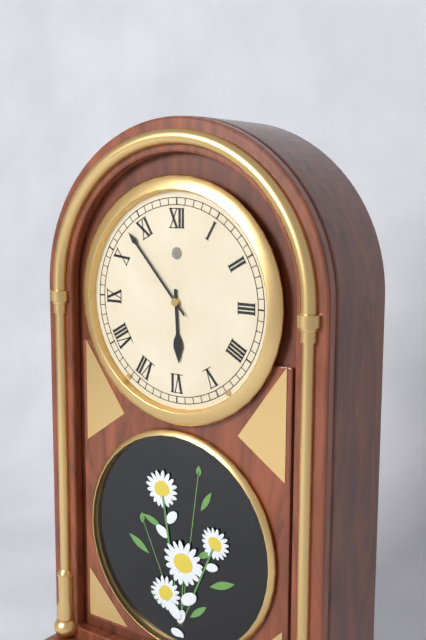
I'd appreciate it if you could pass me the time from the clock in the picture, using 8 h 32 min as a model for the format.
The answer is 5 h 53 min
